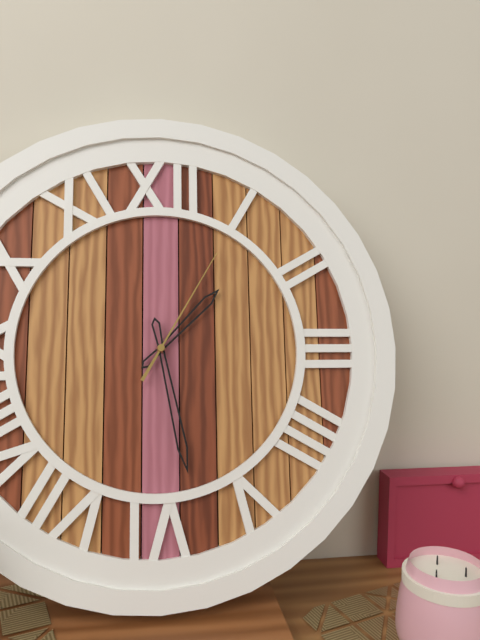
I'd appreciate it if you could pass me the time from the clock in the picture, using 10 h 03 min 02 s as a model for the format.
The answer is 1 h 28 min 05 s
